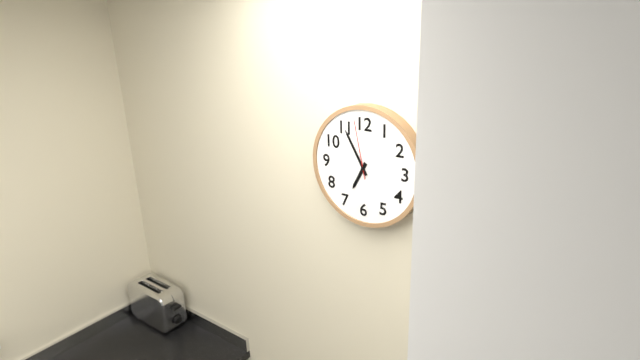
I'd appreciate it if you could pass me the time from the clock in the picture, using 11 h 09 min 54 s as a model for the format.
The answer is 6 h 55 min 58 s
